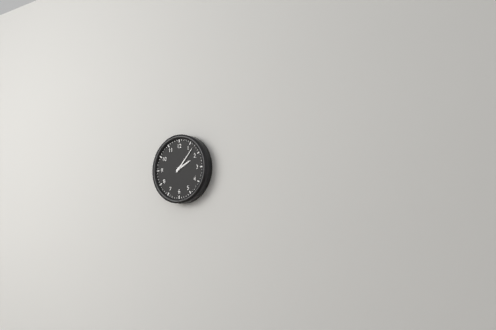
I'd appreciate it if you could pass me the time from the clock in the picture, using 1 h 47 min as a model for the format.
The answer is 2 h 07 min
